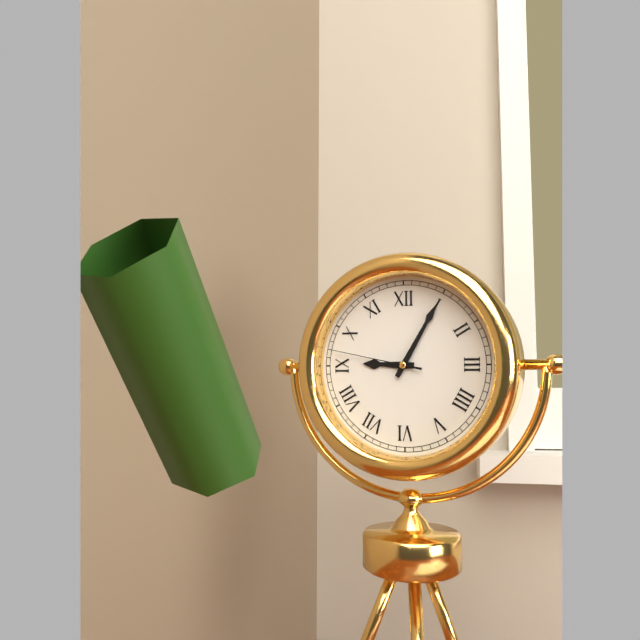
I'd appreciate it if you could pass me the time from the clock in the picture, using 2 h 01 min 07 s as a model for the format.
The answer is 9 h 05 min 47 s
